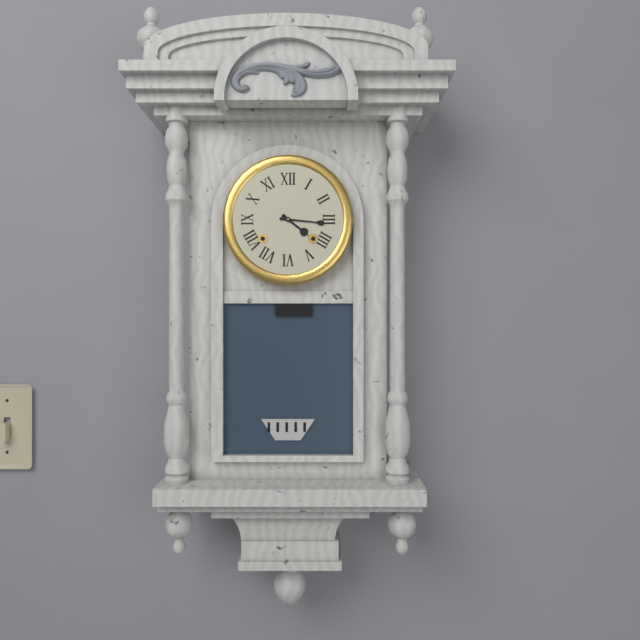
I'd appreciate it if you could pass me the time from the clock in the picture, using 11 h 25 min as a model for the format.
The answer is 4 h 16 min
